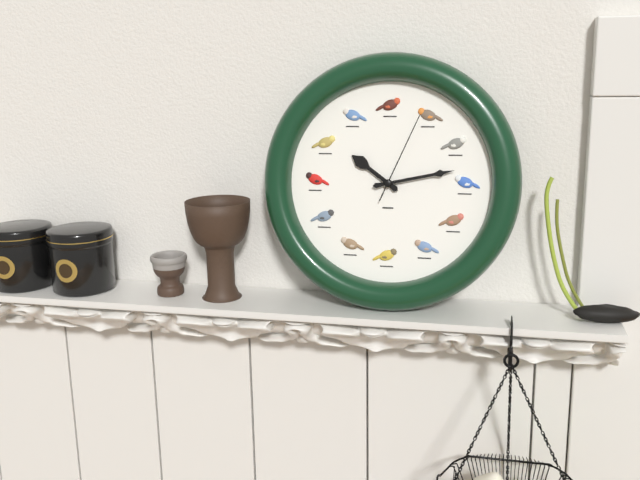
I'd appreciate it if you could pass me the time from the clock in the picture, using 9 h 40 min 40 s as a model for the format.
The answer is 10 h 13 min 04 s
